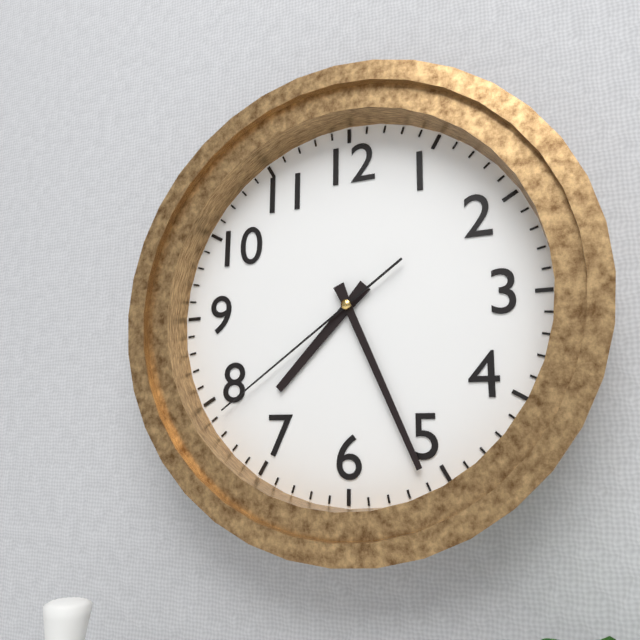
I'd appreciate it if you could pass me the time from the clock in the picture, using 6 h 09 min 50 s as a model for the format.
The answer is 7 h 26 min 39 s
